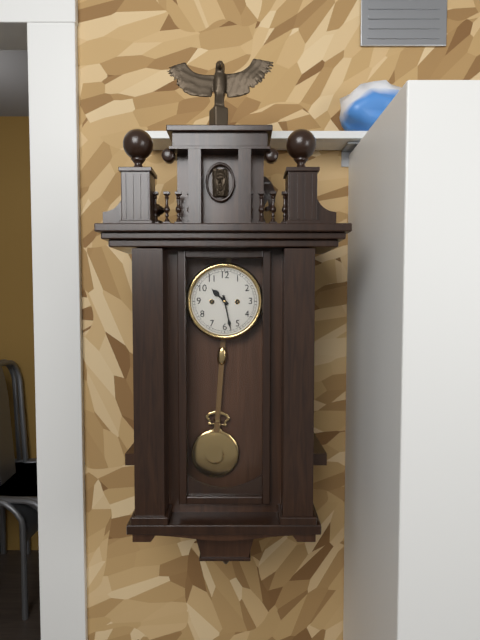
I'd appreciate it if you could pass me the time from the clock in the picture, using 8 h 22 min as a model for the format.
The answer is 10 h 28 min
